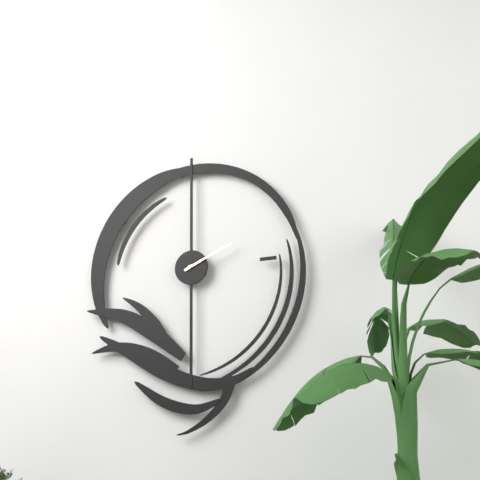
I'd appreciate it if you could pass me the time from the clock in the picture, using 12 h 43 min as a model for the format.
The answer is 2 h 11 min
